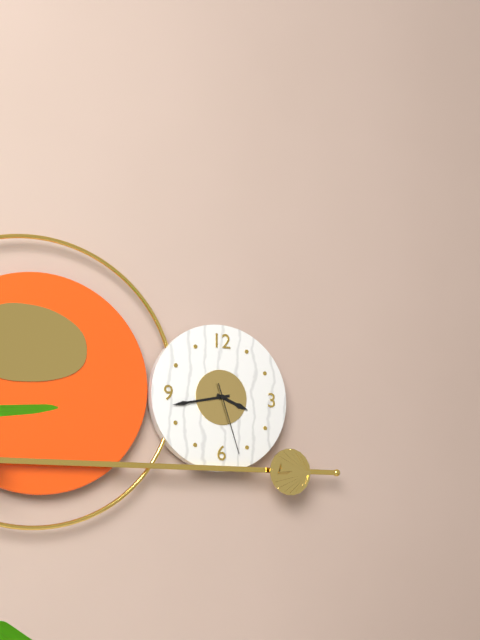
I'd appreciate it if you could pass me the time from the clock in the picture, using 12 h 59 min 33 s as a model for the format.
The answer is 3 h 43 min 27 s
